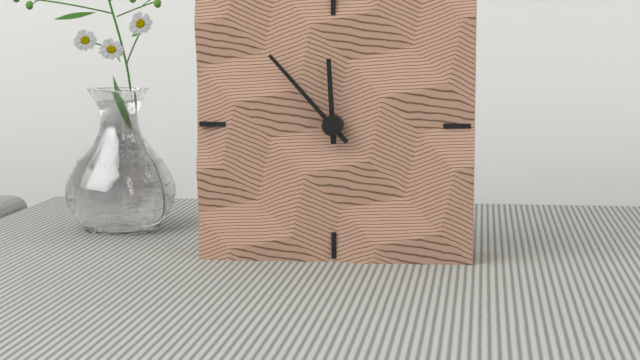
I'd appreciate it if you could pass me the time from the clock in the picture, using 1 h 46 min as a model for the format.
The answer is 11 h 53 min
